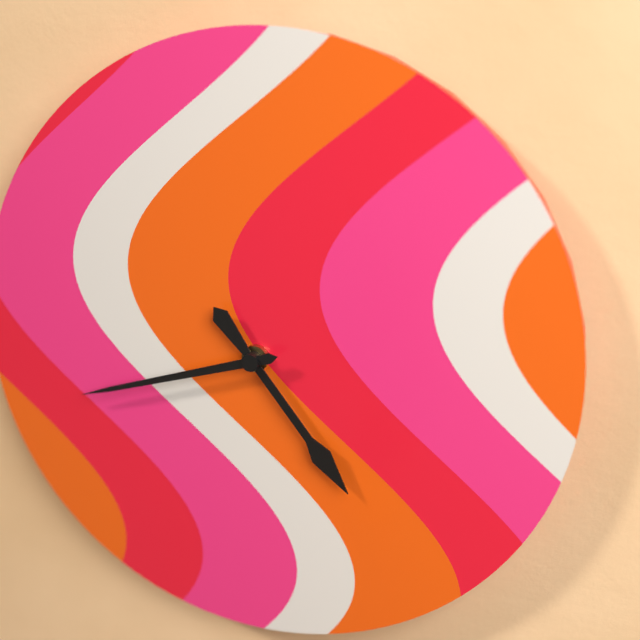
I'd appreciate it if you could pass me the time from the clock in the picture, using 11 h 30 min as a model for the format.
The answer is 4 h 42 min
